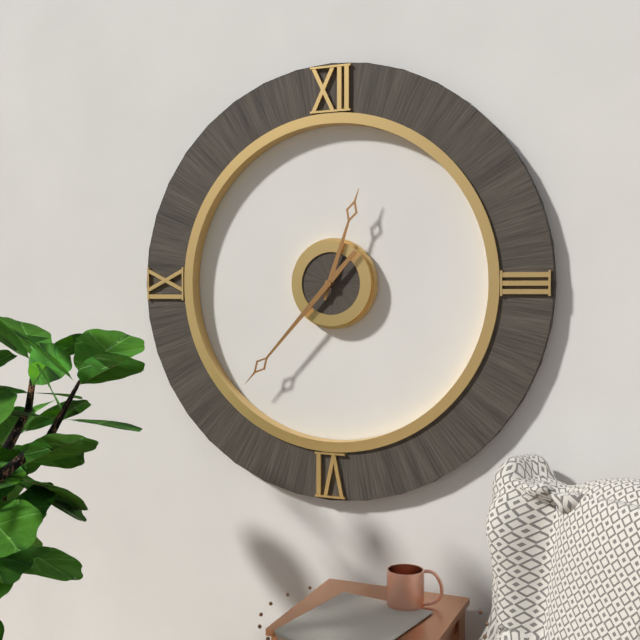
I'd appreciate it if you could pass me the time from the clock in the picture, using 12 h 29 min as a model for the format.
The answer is 12 h 37 min
